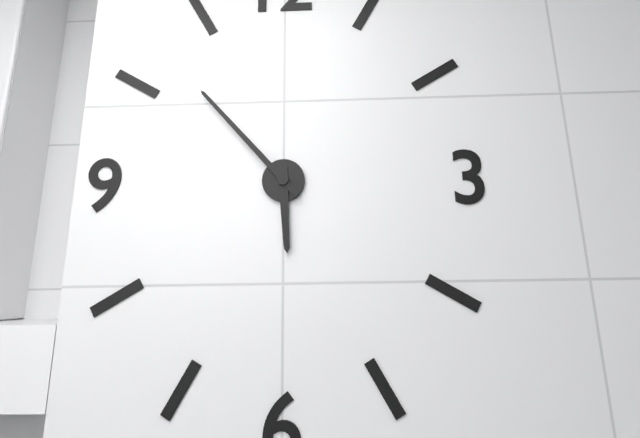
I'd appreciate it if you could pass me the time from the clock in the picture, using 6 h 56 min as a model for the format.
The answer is 5 h 53 min
